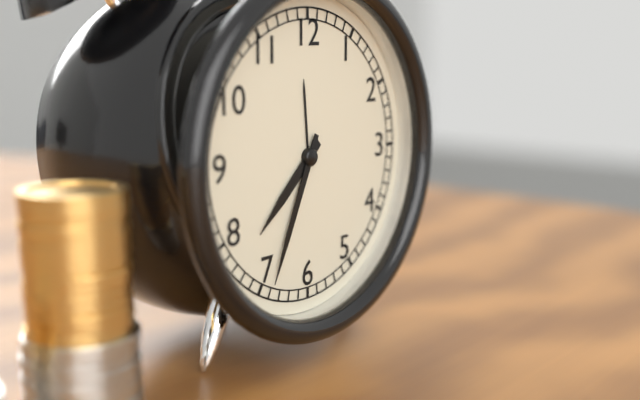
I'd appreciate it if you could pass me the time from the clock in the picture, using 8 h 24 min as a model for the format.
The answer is 7 h 34 min
